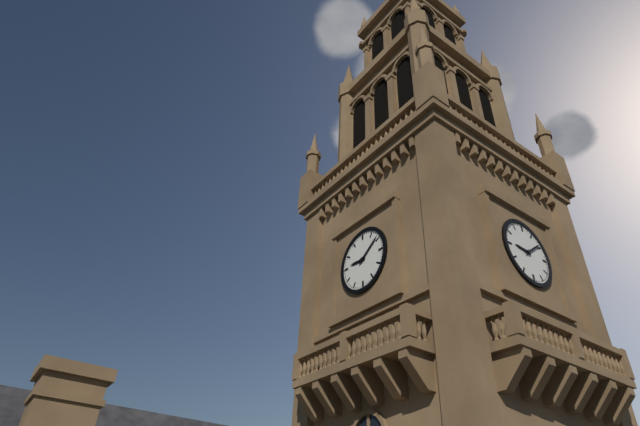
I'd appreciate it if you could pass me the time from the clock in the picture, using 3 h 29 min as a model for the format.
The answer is 9 h 09 min
